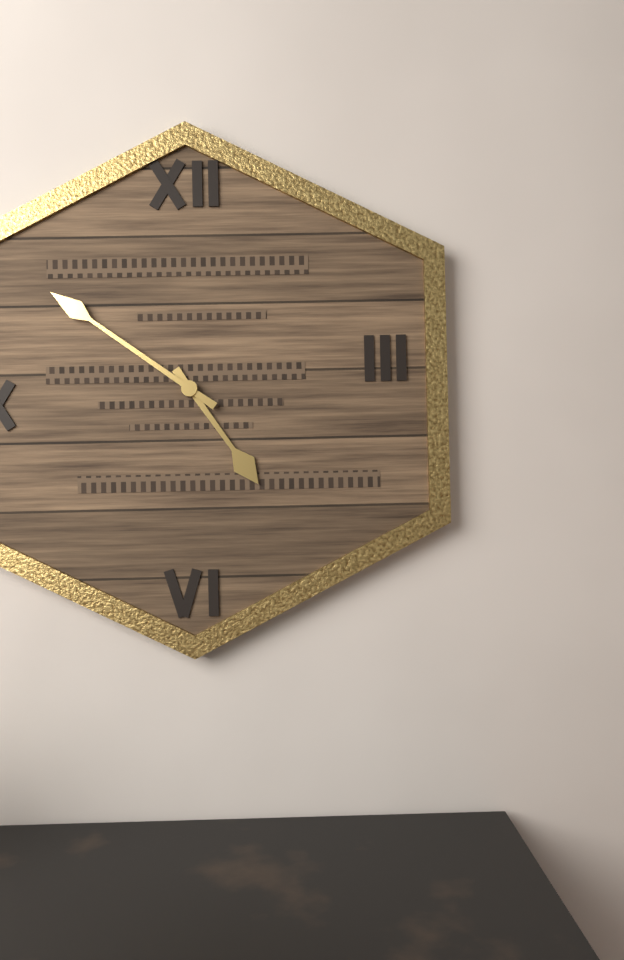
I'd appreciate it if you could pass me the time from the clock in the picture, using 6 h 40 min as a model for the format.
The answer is 4 h 51 min
